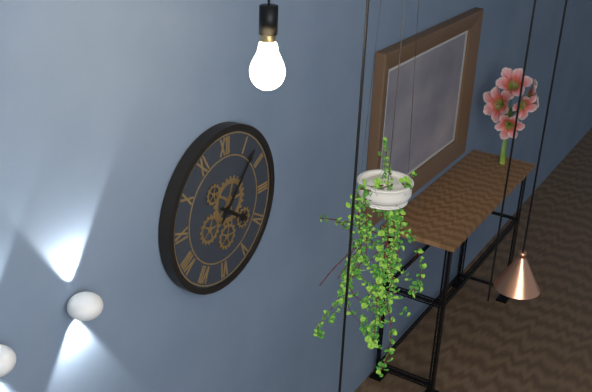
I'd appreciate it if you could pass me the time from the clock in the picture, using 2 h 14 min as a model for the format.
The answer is 4 h 07 min
